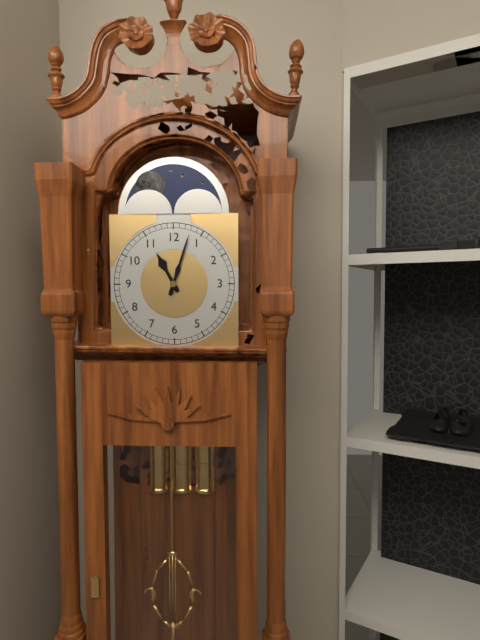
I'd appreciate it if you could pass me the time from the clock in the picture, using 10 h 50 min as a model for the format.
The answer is 11 h 03 min
